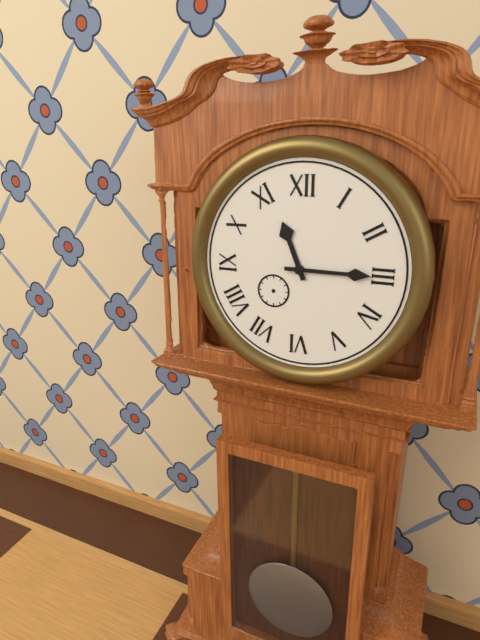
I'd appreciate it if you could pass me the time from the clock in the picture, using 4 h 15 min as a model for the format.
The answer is 11 h 15 min
